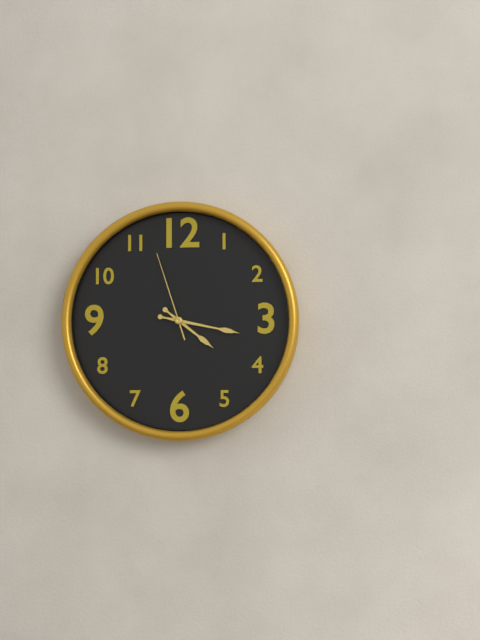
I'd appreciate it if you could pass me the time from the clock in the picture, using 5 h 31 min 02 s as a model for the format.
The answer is 4 h 17 min 57 s
